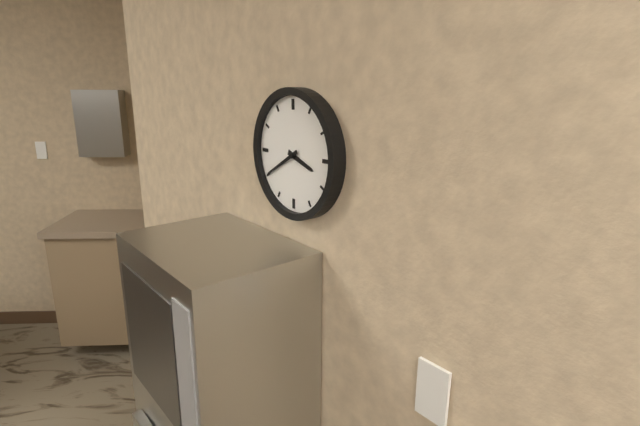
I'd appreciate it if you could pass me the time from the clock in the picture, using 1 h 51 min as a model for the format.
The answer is 3 h 40 min
